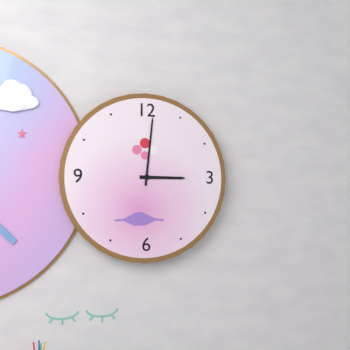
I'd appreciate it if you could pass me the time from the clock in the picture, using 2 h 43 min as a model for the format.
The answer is 3 h 01 min
